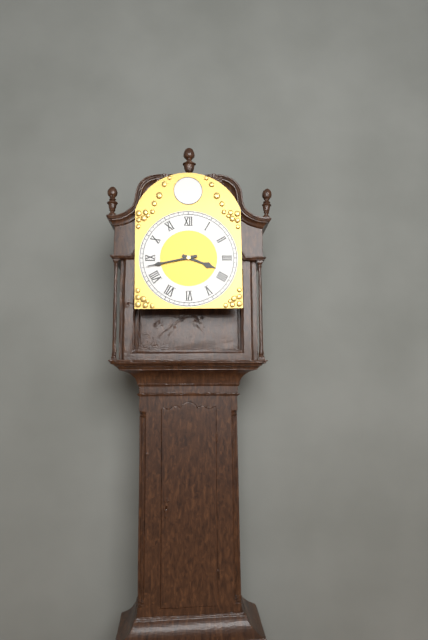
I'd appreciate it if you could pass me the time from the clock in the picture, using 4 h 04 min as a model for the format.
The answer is 3 h 43 min
